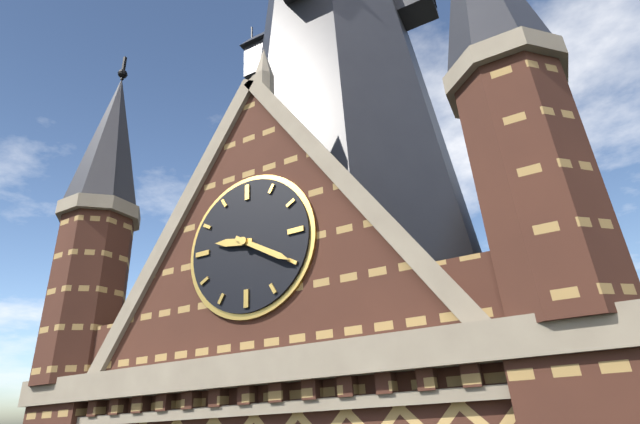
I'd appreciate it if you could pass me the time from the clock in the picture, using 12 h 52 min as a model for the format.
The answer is 9 h 20 min
